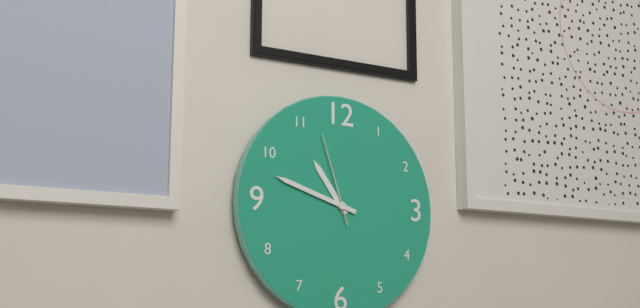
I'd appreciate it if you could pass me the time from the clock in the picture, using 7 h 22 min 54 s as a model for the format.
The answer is 10 h 48 min 57 s
